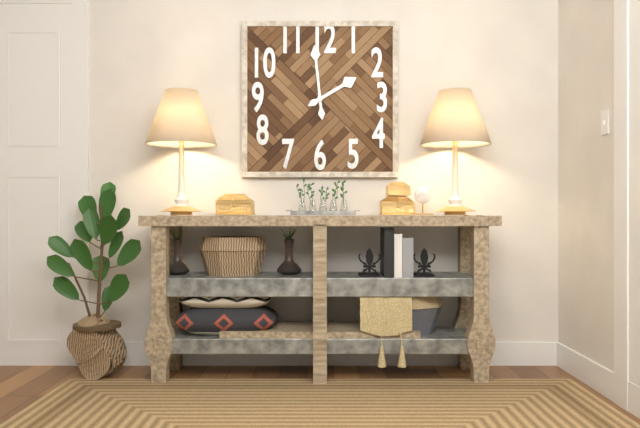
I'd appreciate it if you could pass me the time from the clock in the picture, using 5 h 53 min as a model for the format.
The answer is 1 h 59 min
